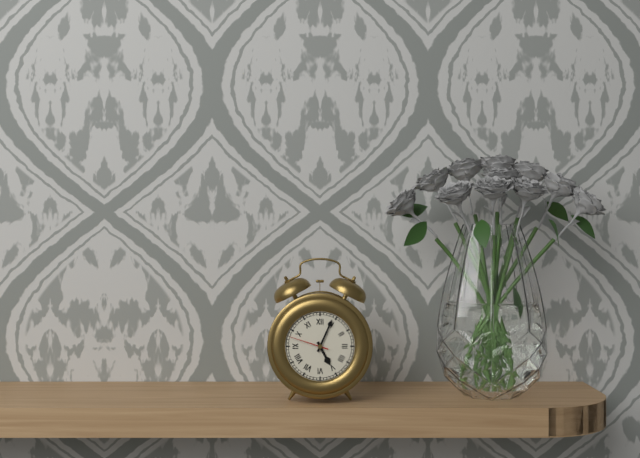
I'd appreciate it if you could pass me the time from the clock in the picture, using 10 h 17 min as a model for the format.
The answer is 5 h 04 min
